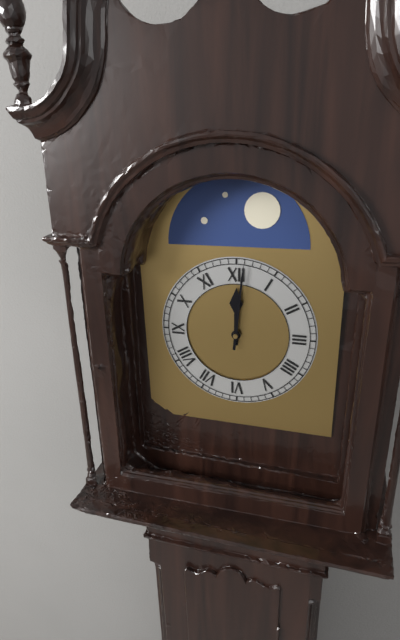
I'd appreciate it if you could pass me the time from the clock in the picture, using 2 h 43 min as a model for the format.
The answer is 12 h 01 min
